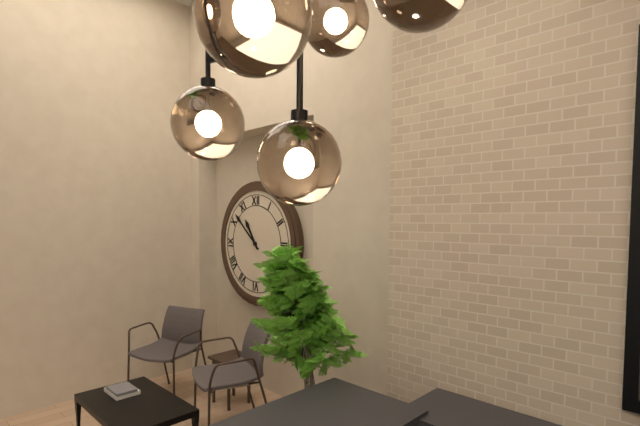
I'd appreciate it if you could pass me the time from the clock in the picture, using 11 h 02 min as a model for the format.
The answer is 10 h 52 min
